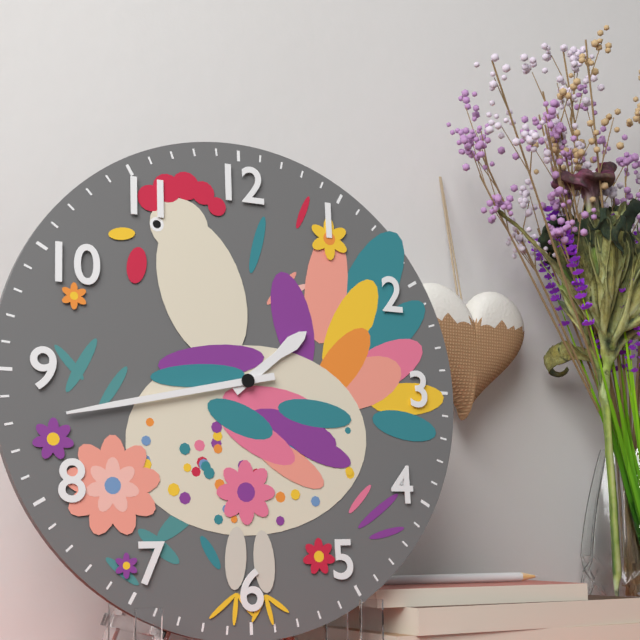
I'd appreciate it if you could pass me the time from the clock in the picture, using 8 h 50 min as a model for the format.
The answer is 1 h 43 min
